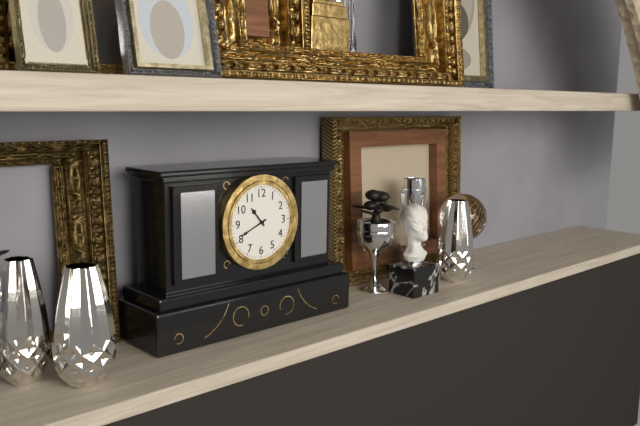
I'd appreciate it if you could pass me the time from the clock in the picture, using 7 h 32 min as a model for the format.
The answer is 10 h 41 min
